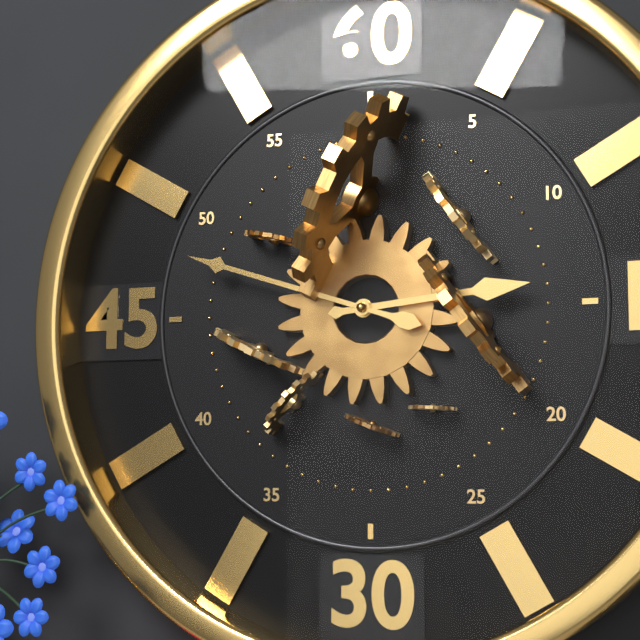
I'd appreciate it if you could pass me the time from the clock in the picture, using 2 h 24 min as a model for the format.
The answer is 2 h 48 min
